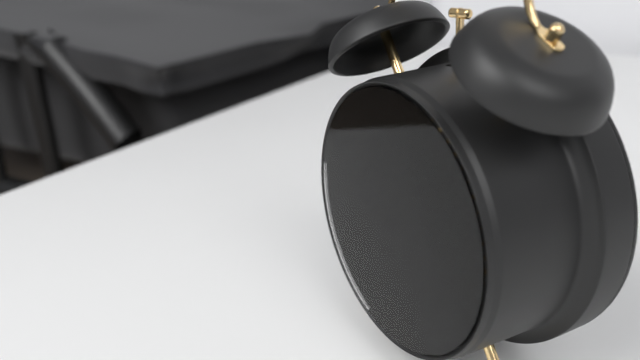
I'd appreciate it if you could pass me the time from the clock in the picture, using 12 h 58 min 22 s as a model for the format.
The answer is 7 h 44 min 42 s
